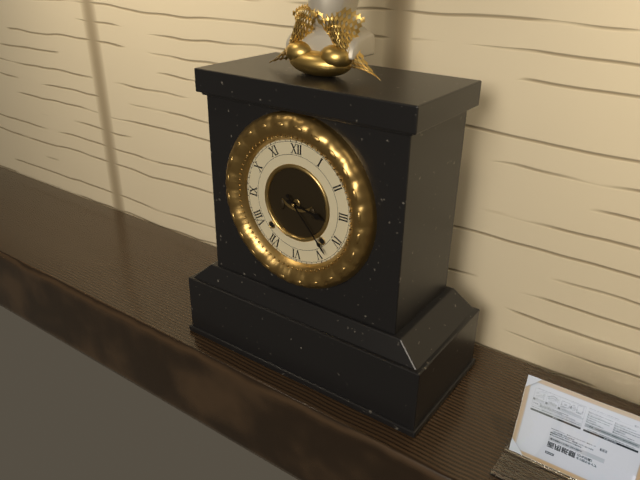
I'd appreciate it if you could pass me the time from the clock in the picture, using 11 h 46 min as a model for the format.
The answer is 3 h 23 min
